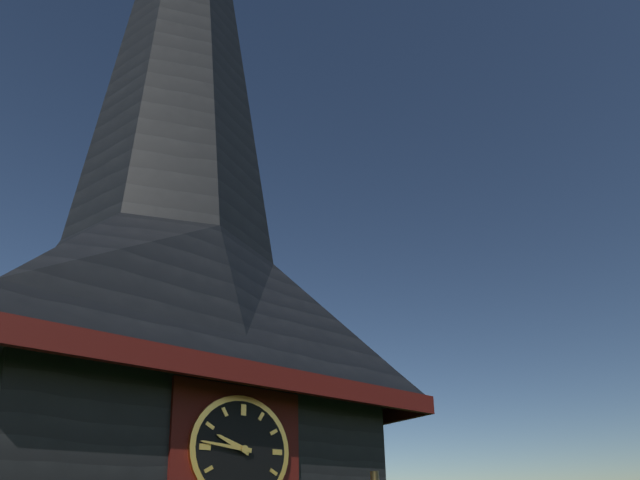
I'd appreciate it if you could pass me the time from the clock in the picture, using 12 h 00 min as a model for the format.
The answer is 9 h 46 min
